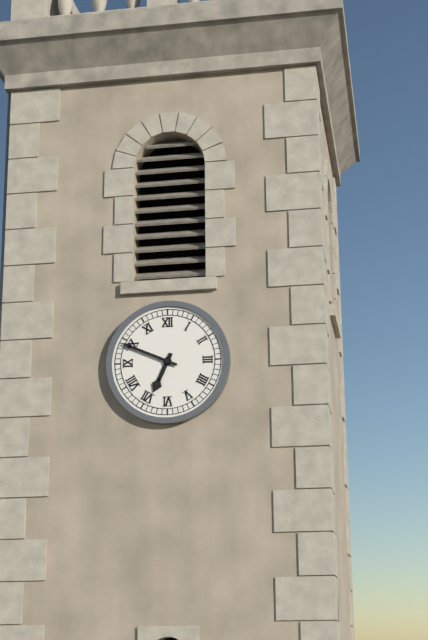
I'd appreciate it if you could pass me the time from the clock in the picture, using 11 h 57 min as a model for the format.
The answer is 6 h 49 min
